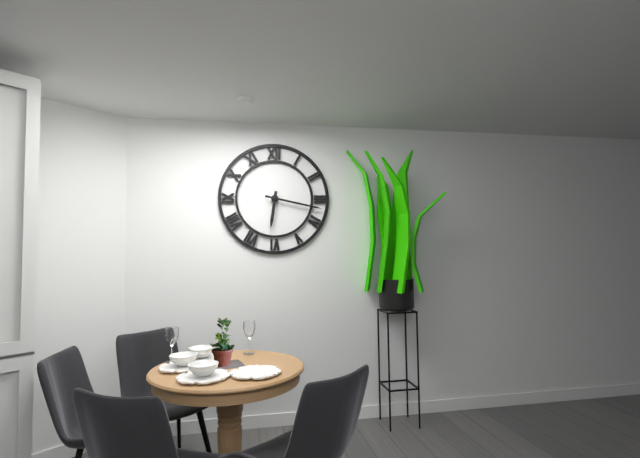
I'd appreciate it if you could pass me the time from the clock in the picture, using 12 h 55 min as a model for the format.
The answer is 6 h 17 min
